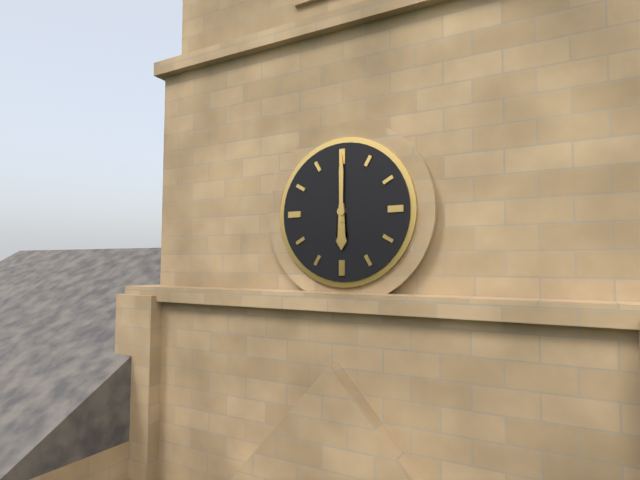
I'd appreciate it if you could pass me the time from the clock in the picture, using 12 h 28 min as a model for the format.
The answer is 6 h 00 min
